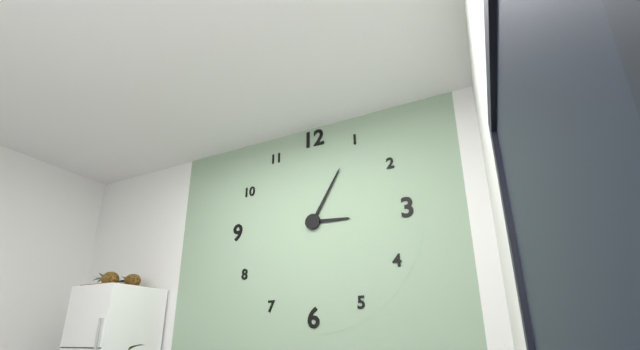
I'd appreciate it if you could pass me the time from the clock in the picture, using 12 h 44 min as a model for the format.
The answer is 3 h 05 min
